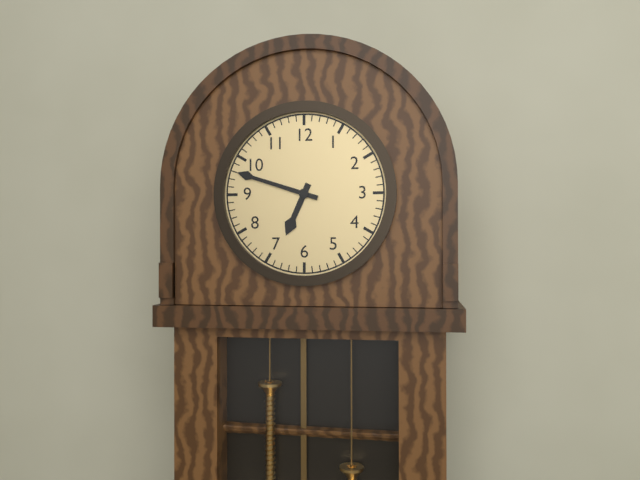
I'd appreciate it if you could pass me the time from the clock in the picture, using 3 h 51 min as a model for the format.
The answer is 6 h 48 min
